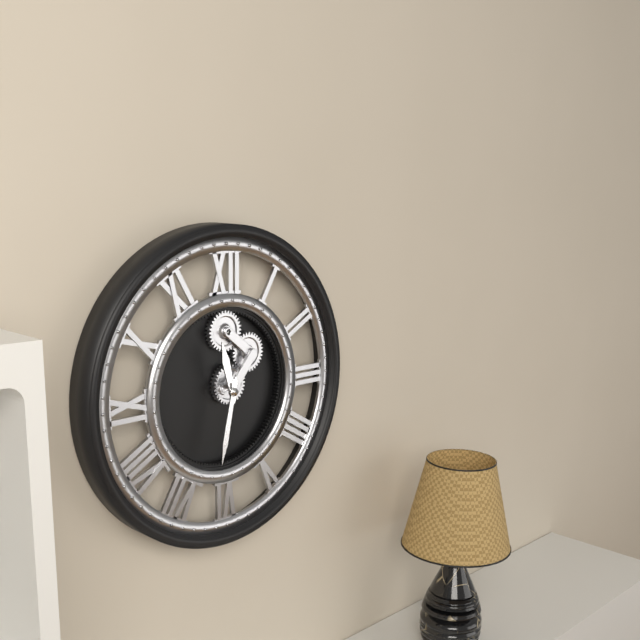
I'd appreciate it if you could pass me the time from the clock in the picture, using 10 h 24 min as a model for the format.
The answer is 11 h 32 min
